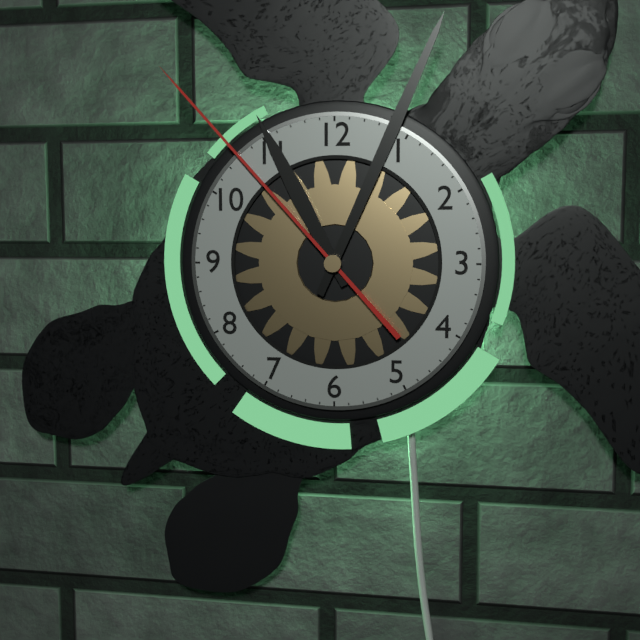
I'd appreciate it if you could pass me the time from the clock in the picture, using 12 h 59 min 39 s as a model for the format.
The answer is 11 h 04 min 53 s
